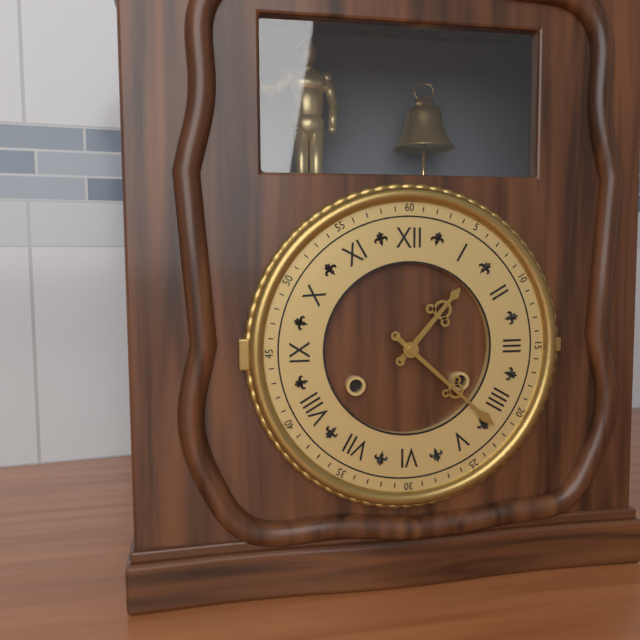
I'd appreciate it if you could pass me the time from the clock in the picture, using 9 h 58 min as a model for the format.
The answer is 1 h 22 min
